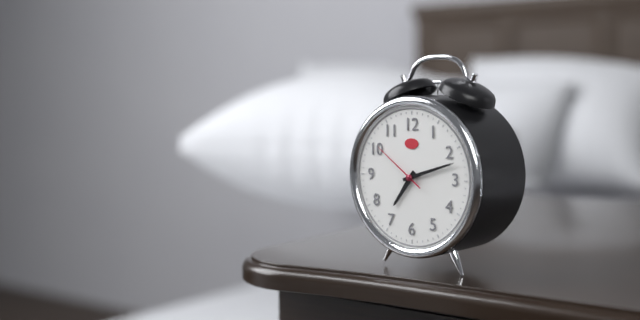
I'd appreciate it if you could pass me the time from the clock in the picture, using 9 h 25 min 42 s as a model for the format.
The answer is 7 h 12 min 51 s
